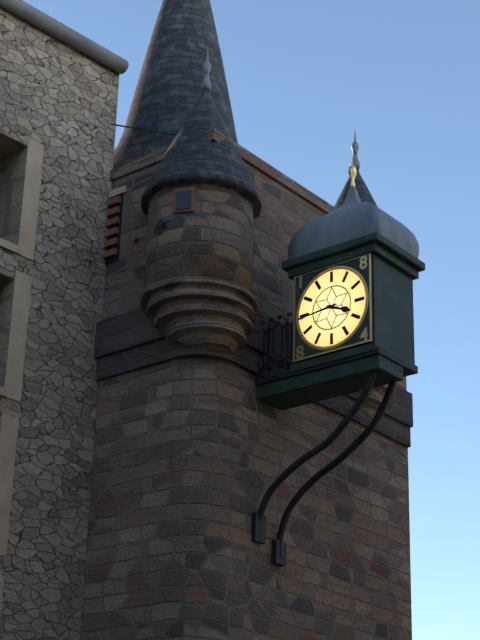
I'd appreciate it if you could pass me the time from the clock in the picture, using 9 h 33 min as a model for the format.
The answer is 3 h 44 min
